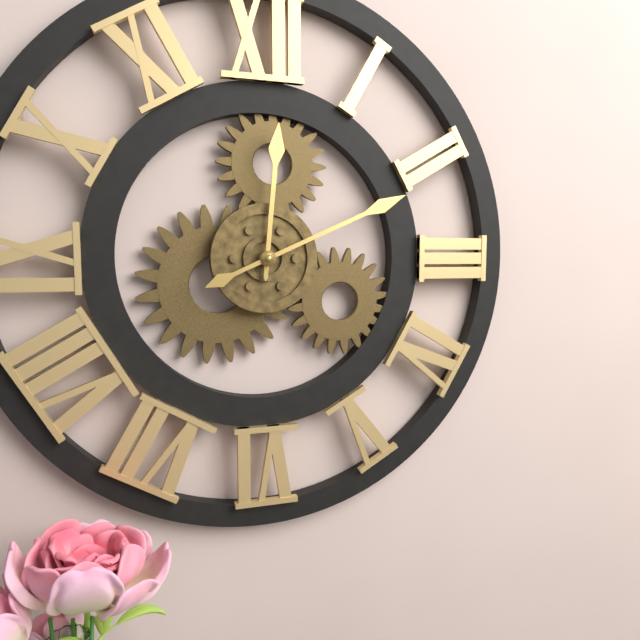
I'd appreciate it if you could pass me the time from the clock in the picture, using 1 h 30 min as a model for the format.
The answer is 12 h 11 min
